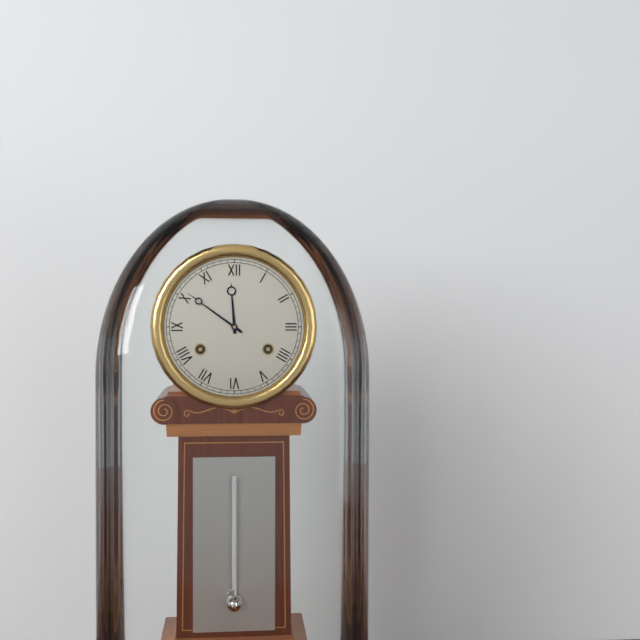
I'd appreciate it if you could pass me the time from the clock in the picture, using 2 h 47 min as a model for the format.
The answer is 11 h 51 min
